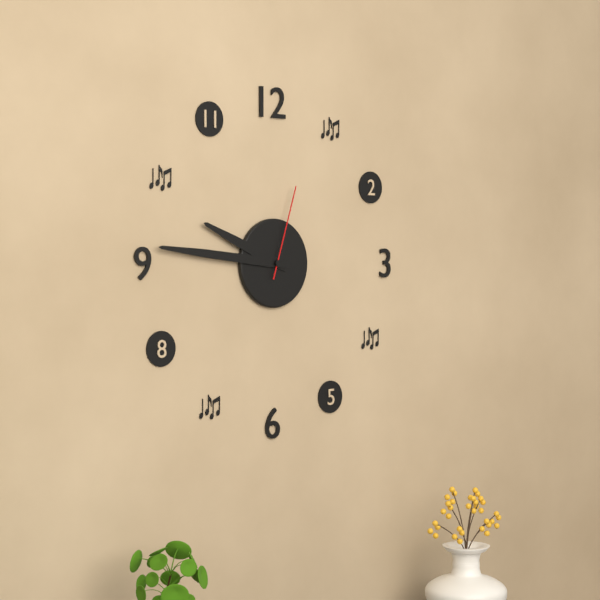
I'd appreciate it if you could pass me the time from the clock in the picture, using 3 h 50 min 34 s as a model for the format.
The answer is 9 h 46 min 03 s
